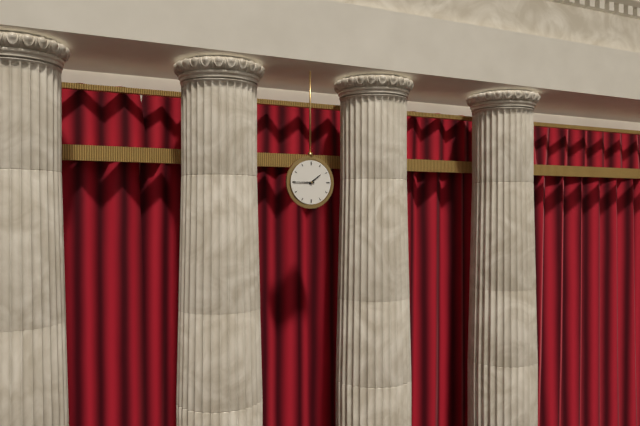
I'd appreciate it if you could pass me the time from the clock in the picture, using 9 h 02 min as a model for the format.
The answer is 1 h 45 min
